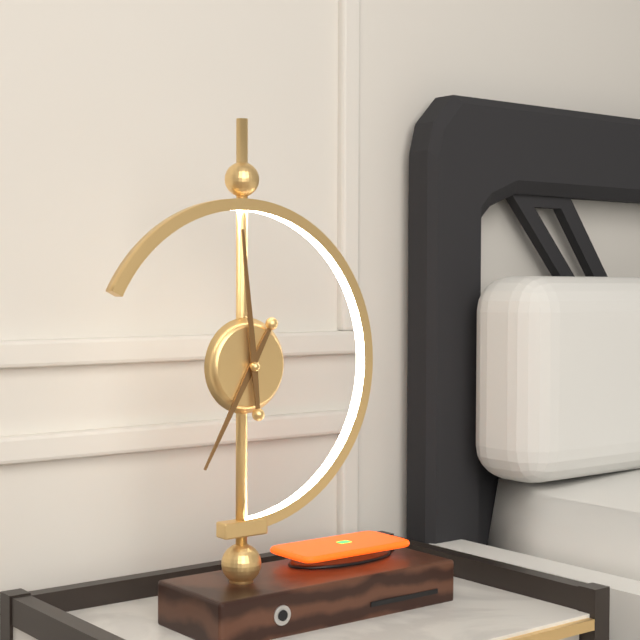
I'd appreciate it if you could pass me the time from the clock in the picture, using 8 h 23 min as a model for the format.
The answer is 6 h 59 min
